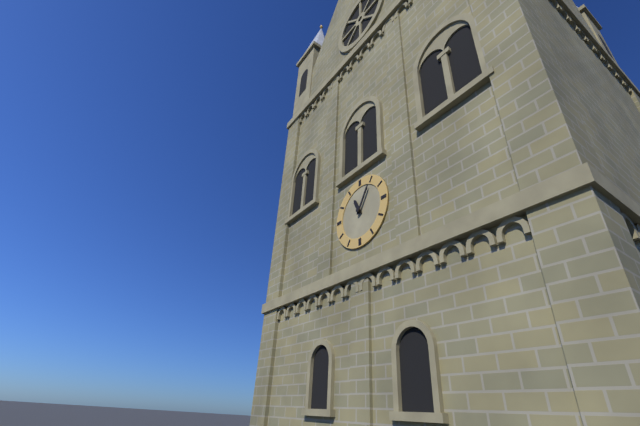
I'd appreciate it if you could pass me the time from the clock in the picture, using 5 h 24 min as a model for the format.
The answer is 11 h 05 min
